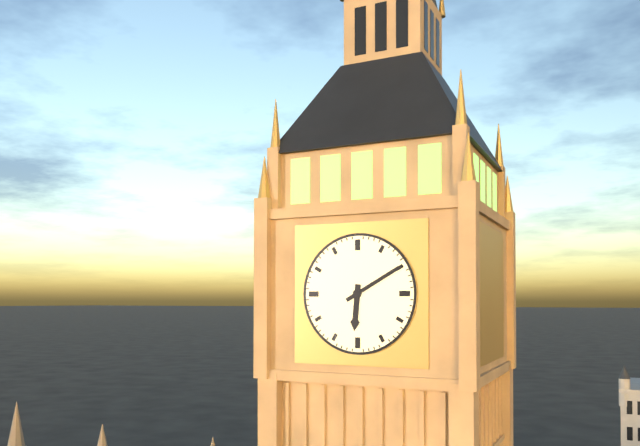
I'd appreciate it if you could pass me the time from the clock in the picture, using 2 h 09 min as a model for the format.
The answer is 6 h 10 min
